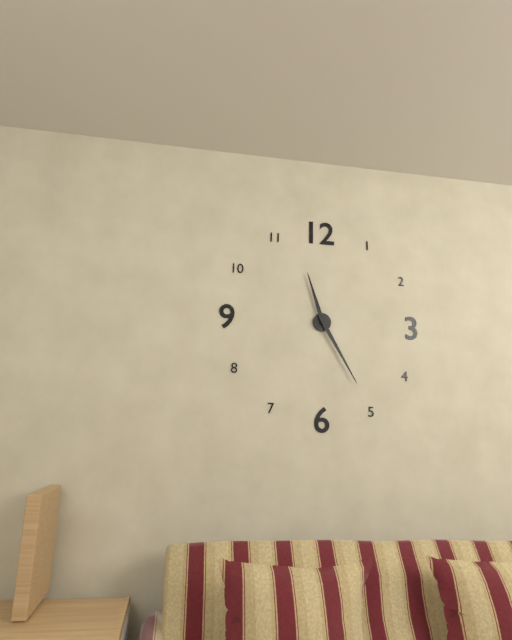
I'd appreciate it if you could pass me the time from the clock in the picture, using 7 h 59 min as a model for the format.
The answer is 11 h 25 min
